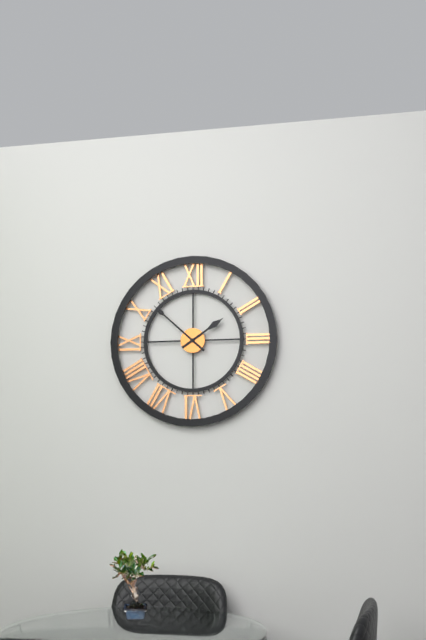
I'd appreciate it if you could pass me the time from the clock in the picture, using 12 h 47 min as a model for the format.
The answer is 1 h 52 min
